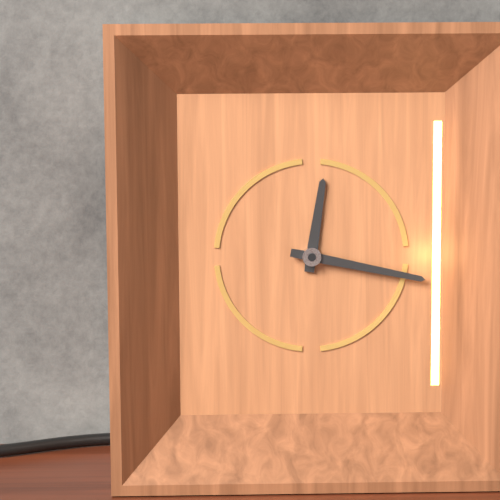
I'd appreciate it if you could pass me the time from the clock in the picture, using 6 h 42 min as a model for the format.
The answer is 12 h 17 min
